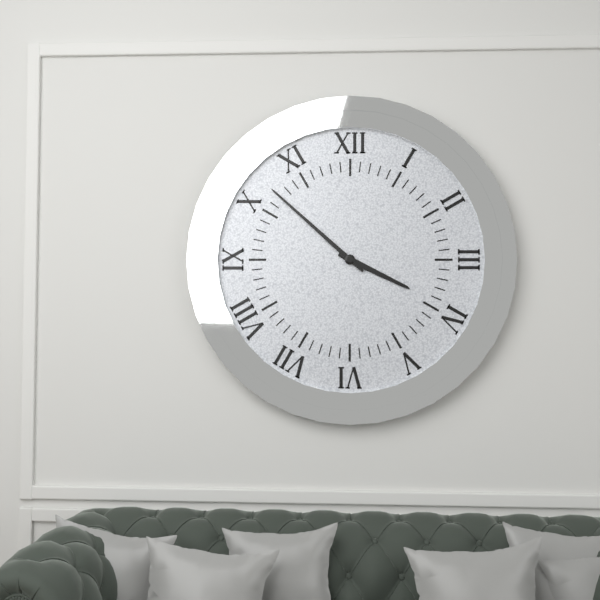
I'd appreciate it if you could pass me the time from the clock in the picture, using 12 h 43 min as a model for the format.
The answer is 3 h 52 min
